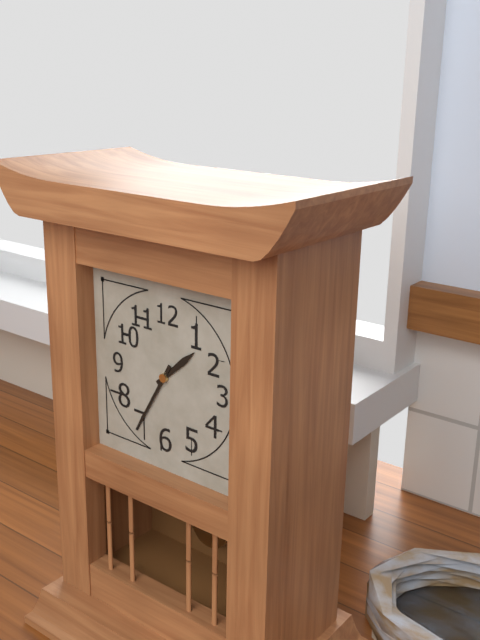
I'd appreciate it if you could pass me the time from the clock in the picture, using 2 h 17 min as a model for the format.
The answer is 1 h 35 min
